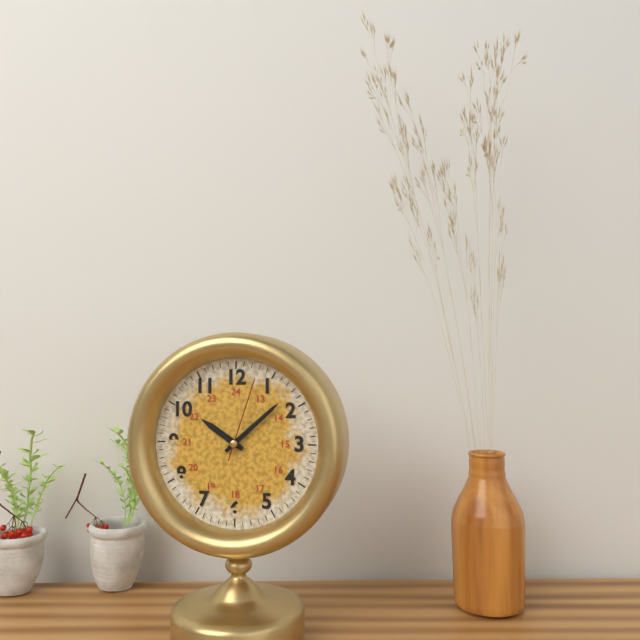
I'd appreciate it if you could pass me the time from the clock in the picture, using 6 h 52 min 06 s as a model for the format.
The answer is 10 h 08 min 03 s
